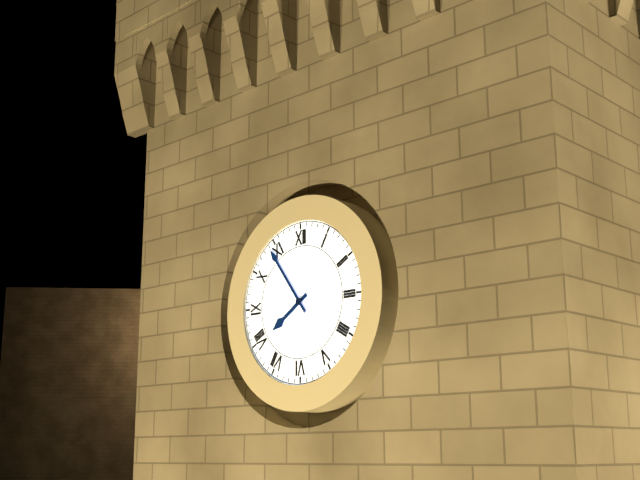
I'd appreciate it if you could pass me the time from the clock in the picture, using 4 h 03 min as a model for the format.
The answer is 7 h 54 min
